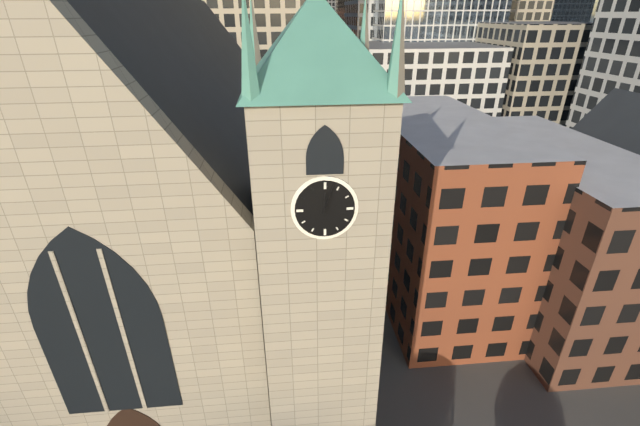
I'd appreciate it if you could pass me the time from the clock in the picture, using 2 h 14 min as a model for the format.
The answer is 12 h 03 min
